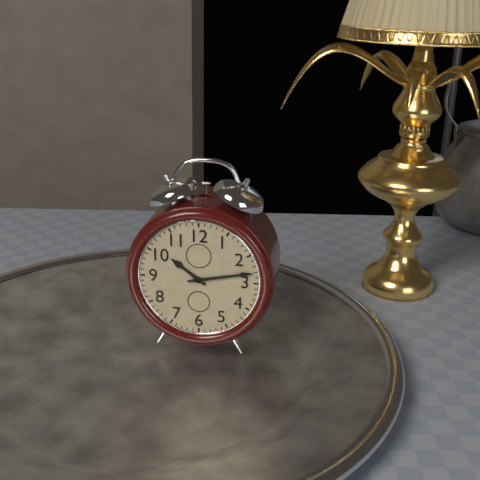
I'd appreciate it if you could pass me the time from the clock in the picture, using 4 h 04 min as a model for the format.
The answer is 10 h 13 min
